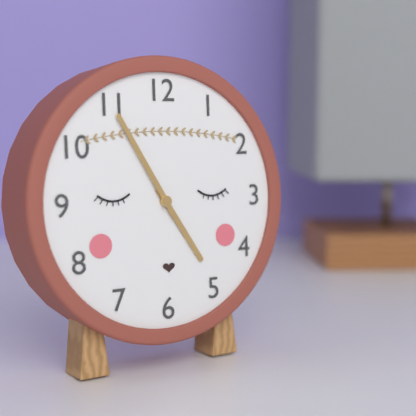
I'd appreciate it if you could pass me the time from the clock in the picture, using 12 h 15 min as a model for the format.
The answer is 4 h 55 min
